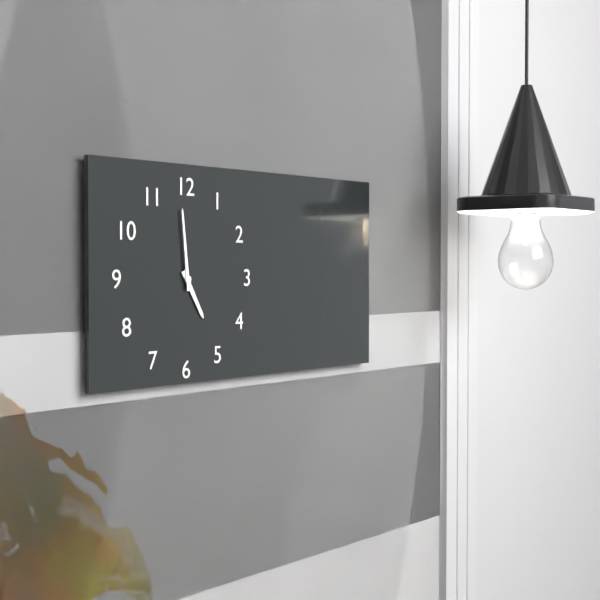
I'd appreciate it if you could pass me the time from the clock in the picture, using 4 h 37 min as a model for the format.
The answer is 4 h 59 min
